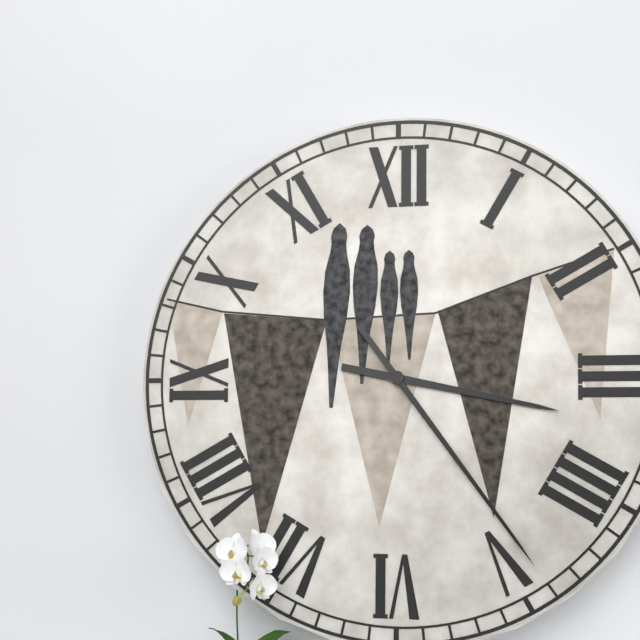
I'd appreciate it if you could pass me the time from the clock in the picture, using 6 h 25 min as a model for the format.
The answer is 3 h 24 min
